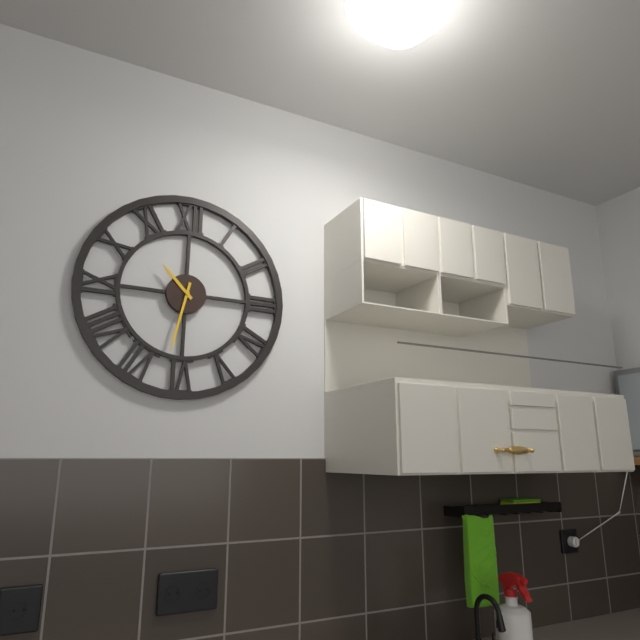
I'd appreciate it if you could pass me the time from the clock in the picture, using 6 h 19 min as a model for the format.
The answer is 10 h 32 min
